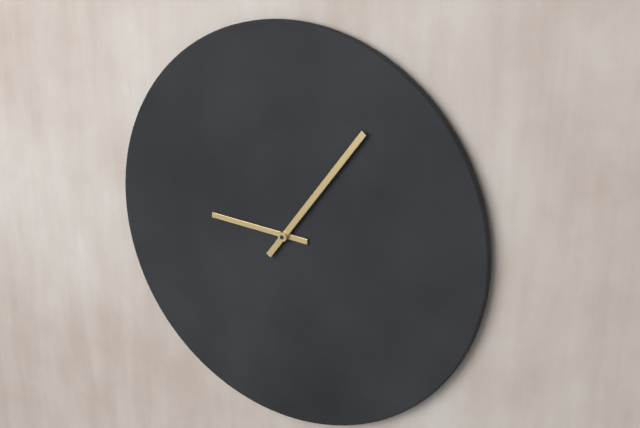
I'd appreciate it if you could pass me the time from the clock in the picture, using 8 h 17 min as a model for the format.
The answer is 9 h 06 min
